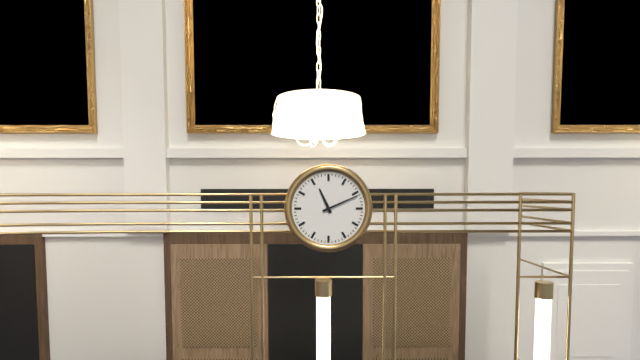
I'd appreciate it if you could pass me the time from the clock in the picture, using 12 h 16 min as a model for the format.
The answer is 11 h 11 min
